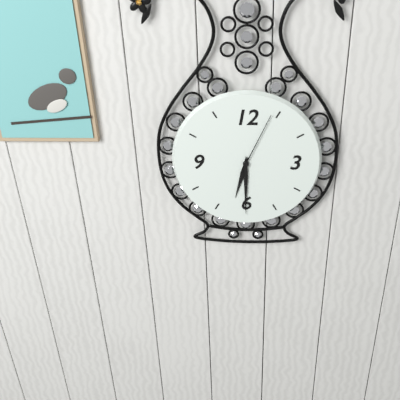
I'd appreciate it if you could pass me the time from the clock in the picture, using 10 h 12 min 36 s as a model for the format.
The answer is 6 h 30 min 04 s
